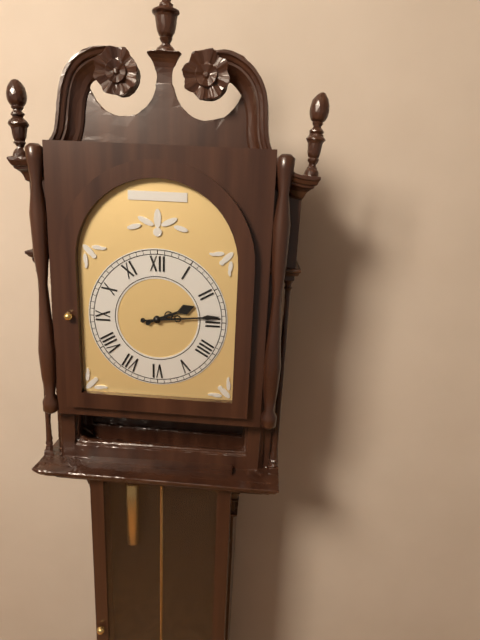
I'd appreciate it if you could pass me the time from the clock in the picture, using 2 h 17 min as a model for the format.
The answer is 2 h 14 min
